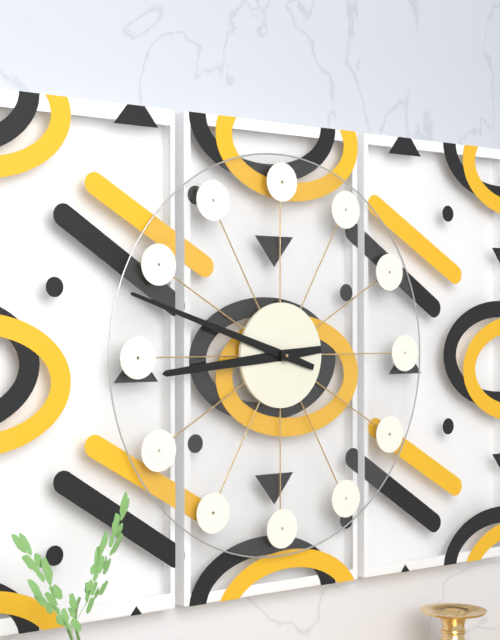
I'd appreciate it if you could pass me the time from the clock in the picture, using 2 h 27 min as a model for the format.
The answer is 8 h 48 min
